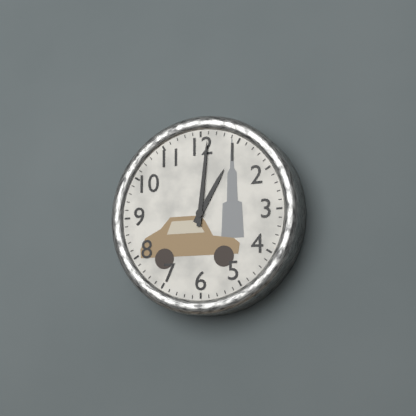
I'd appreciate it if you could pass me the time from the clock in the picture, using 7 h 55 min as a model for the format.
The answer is 1 h 01 min
